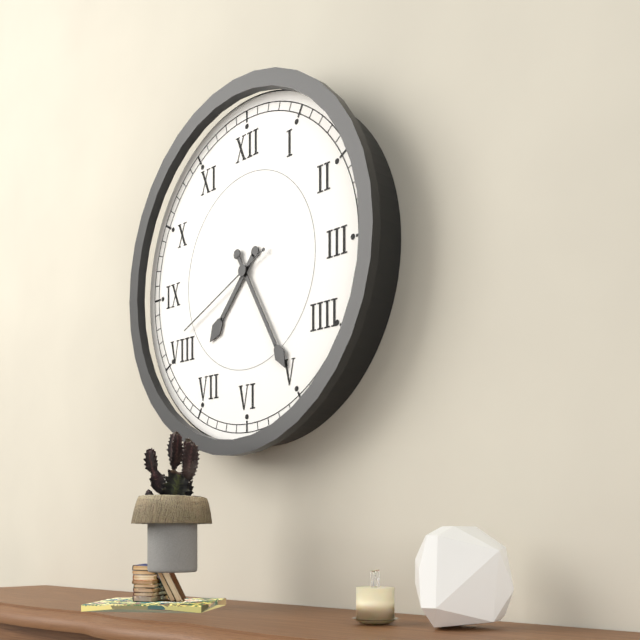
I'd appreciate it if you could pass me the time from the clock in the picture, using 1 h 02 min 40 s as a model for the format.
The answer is 7 h 25 min 41 s
